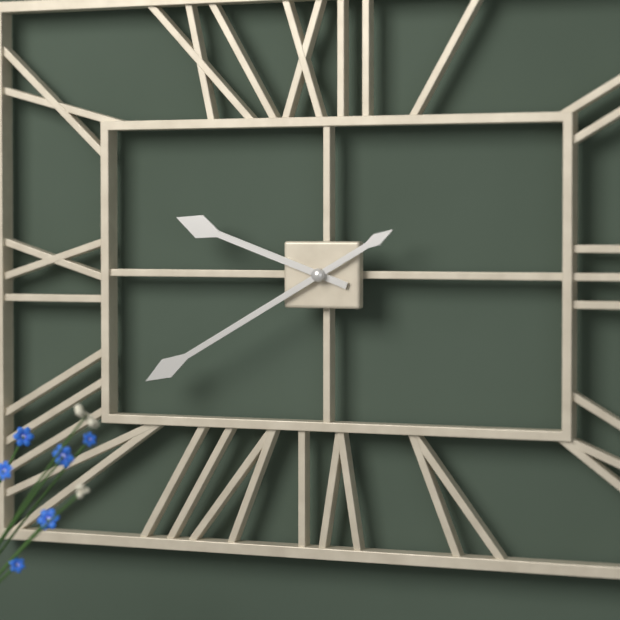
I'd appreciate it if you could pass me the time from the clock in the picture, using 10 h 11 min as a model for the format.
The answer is 9 h 40 min
